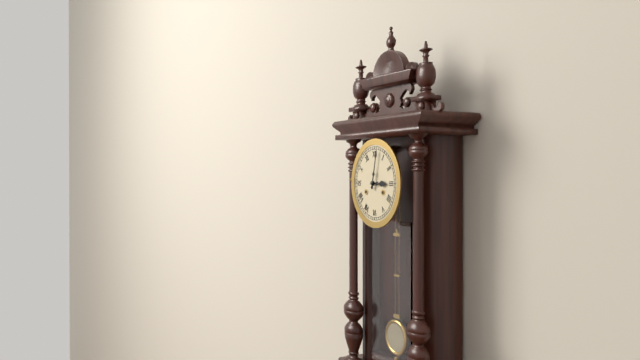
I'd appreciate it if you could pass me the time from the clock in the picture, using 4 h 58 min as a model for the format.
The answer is 3 h 02 min
